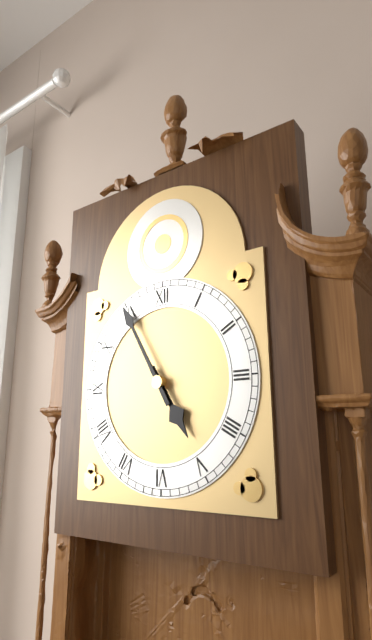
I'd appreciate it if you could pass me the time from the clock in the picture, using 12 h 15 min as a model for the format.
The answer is 4 h 55 min
